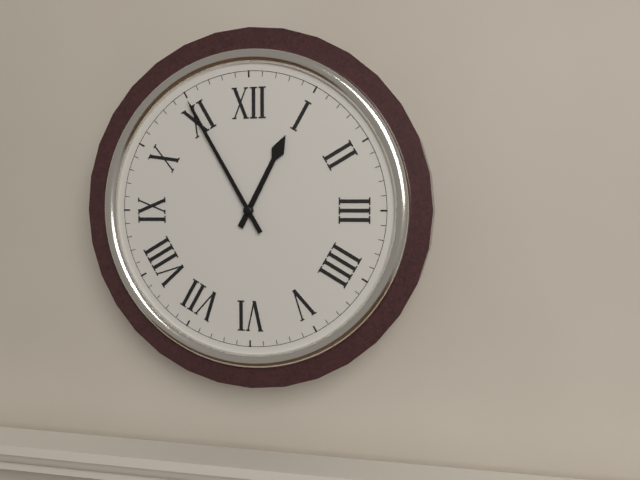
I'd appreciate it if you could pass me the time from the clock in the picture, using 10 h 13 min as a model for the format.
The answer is 12 h 55 min
